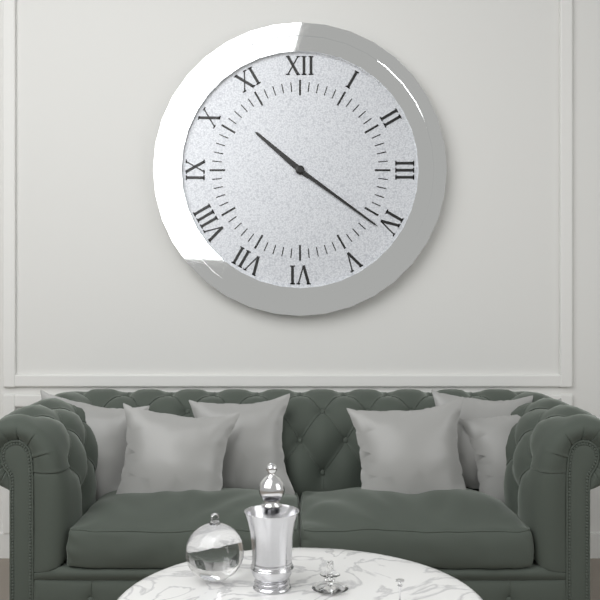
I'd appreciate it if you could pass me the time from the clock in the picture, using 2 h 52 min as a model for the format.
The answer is 10 h 21 min
